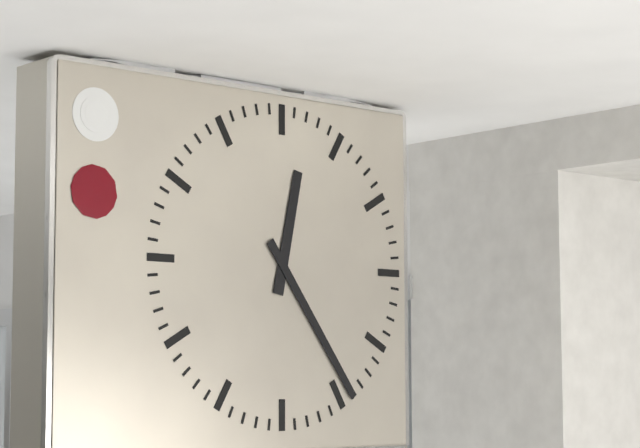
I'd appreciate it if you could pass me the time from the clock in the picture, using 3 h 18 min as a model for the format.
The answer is 12 h 24 min
